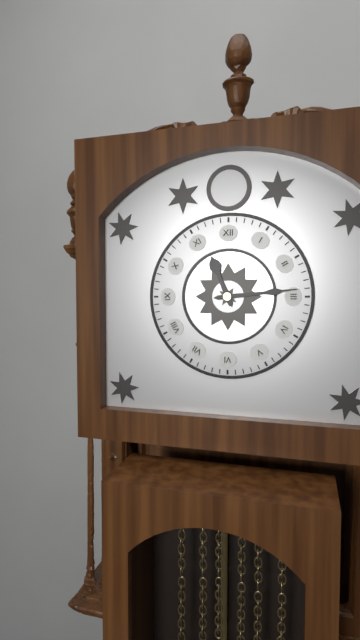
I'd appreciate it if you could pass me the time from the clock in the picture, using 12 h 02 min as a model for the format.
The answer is 11 h 14 min
